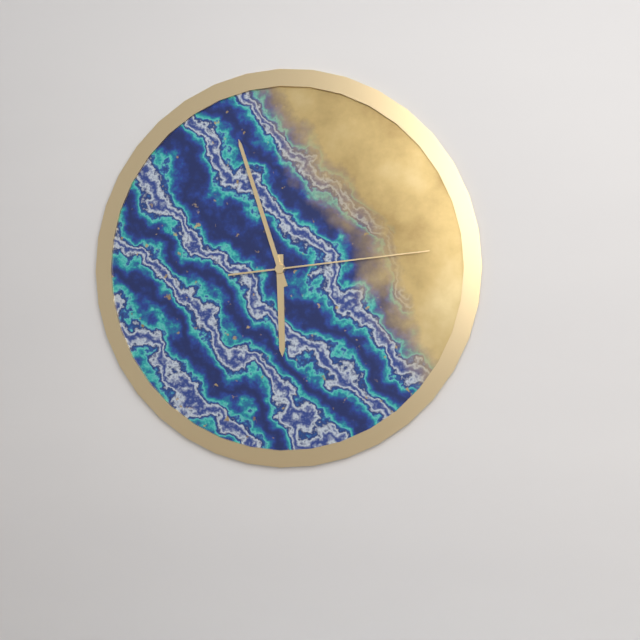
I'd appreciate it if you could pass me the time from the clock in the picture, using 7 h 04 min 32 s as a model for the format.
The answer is 5 h 57 min 14 s
